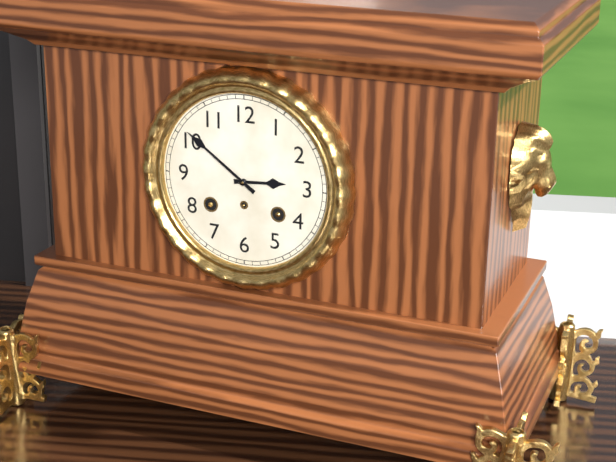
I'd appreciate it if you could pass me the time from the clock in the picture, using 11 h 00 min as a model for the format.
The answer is 2 h 51 min
